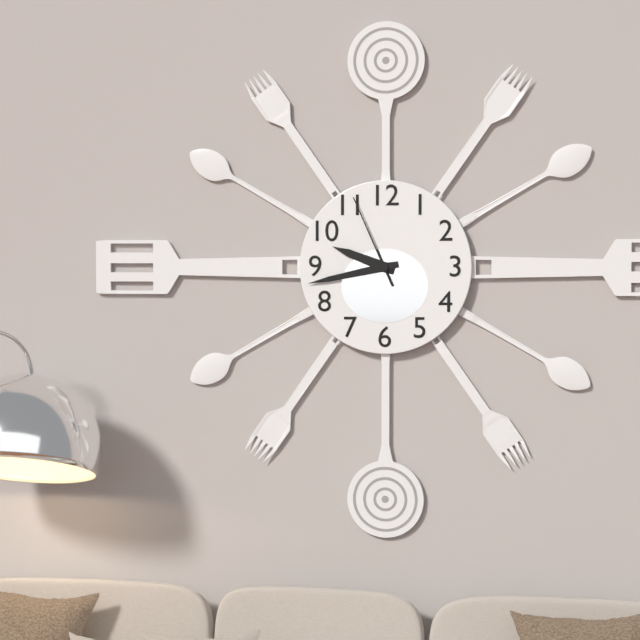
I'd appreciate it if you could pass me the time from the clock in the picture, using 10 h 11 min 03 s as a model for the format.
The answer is 9 h 43 min 56 s
